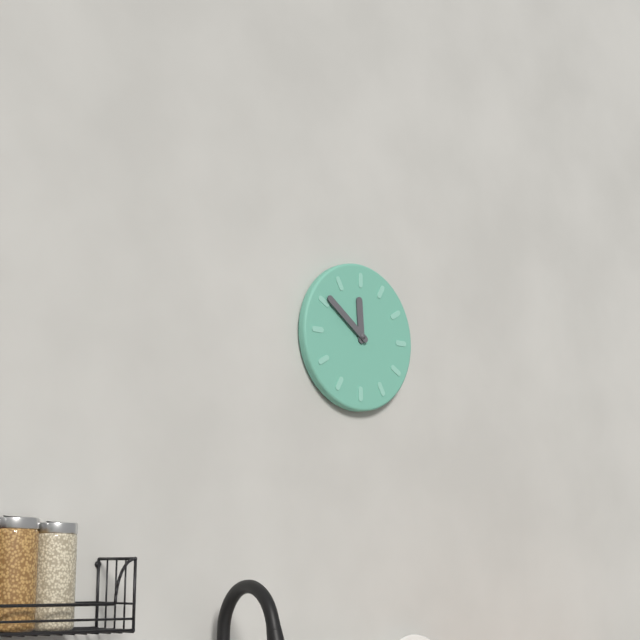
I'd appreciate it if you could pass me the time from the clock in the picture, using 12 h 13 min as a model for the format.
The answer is 11 h 51 min
